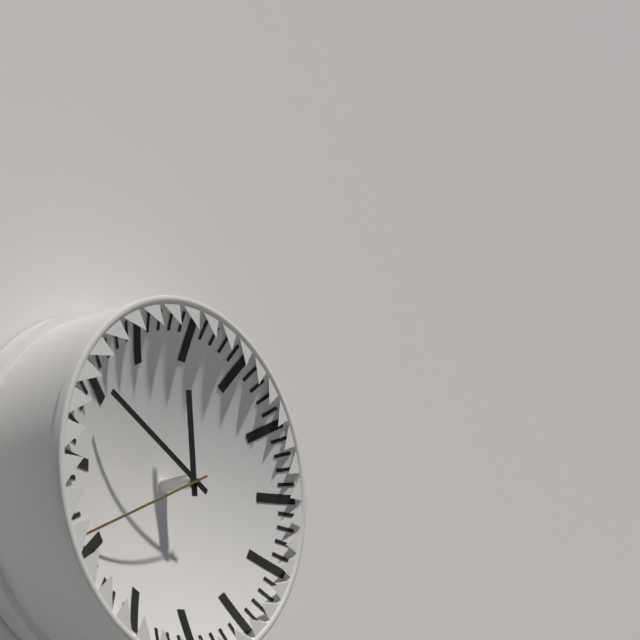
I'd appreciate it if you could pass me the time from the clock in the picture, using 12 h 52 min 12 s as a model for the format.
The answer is 11 h 50 min 41 s
